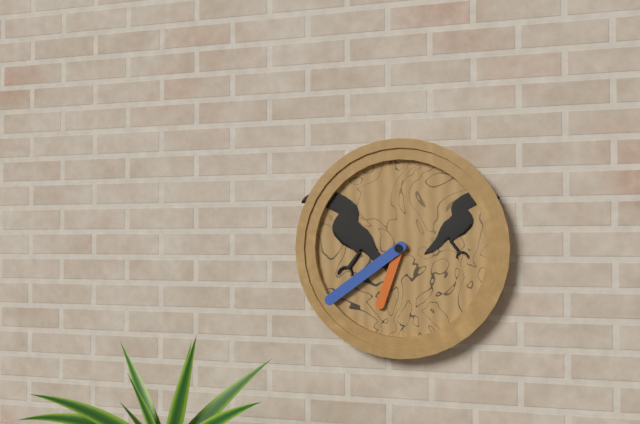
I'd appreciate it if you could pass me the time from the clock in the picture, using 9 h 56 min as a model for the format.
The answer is 6 h 39 min
